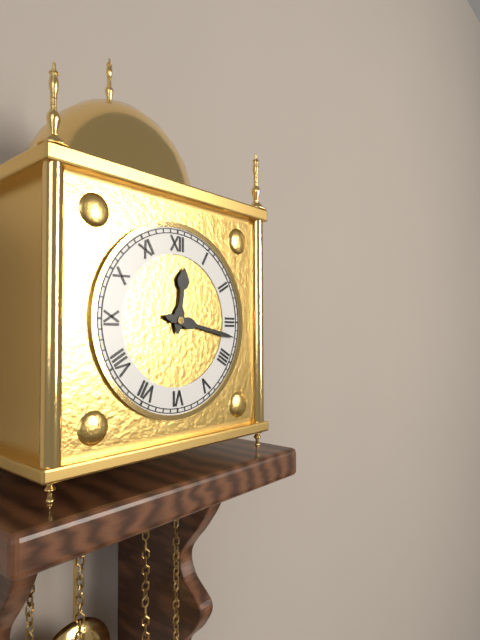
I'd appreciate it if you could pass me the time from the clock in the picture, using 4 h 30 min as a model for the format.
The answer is 12 h 17 min
